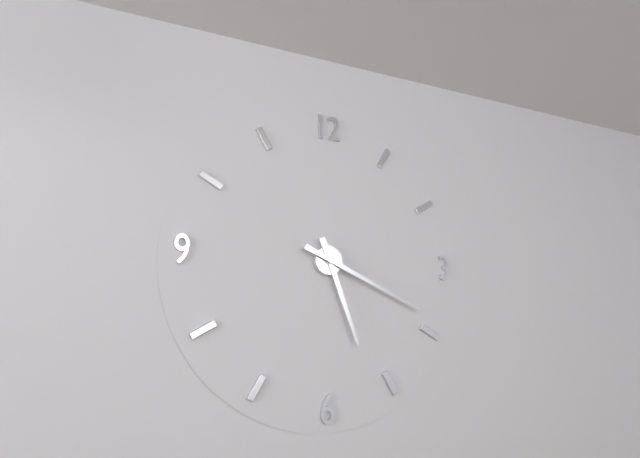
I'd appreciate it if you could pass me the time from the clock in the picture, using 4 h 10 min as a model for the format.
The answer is 5 h 19 min
